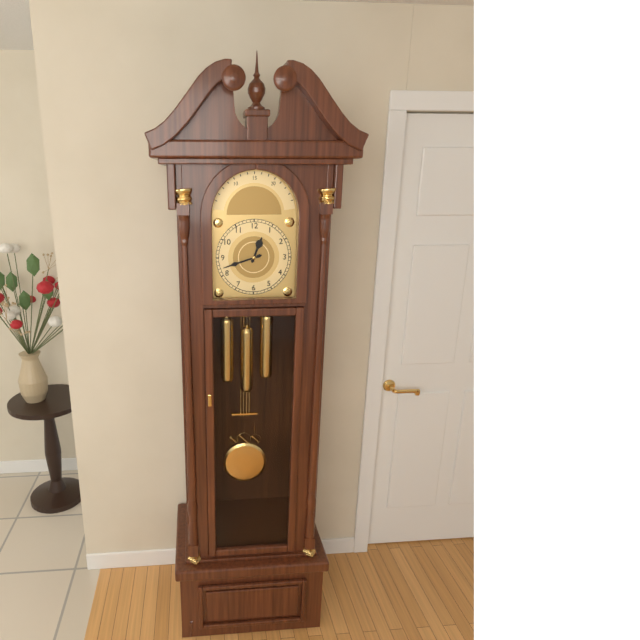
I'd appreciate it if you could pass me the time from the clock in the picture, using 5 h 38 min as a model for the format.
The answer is 12 h 42 min
